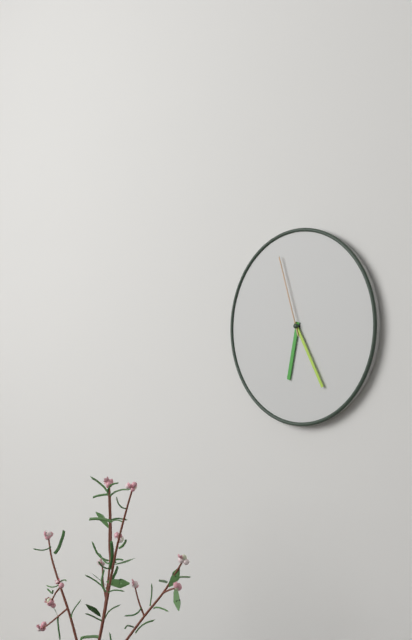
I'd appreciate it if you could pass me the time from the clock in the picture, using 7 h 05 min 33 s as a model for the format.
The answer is 6 h 25 min 57 s
